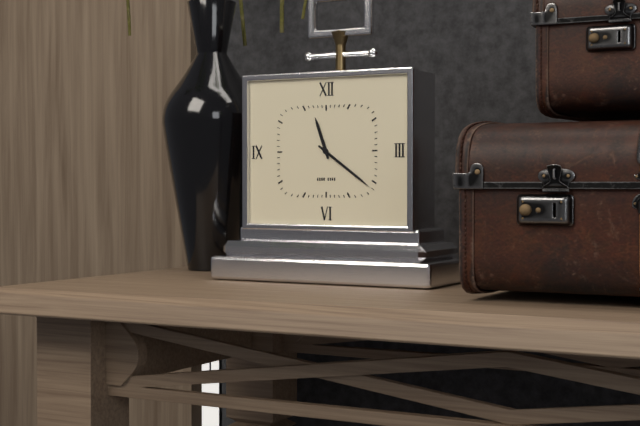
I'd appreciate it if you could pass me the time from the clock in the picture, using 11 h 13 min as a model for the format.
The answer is 11 h 21 min
